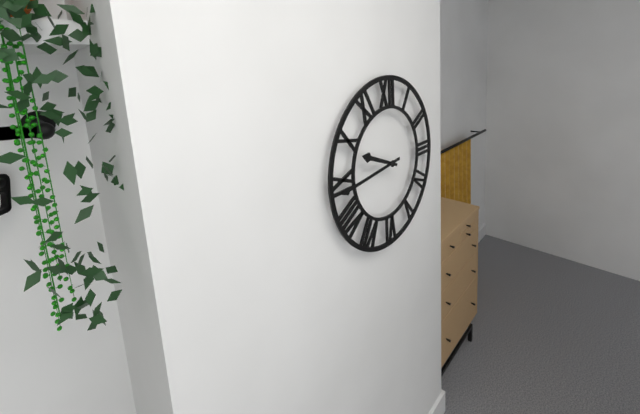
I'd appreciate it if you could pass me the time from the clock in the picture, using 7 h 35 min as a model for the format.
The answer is 9 h 44 min
